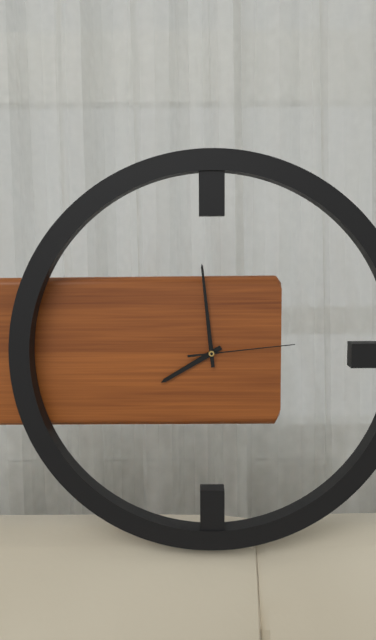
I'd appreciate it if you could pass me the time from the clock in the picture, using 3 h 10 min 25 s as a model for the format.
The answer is 7 h 59 min 14 s
